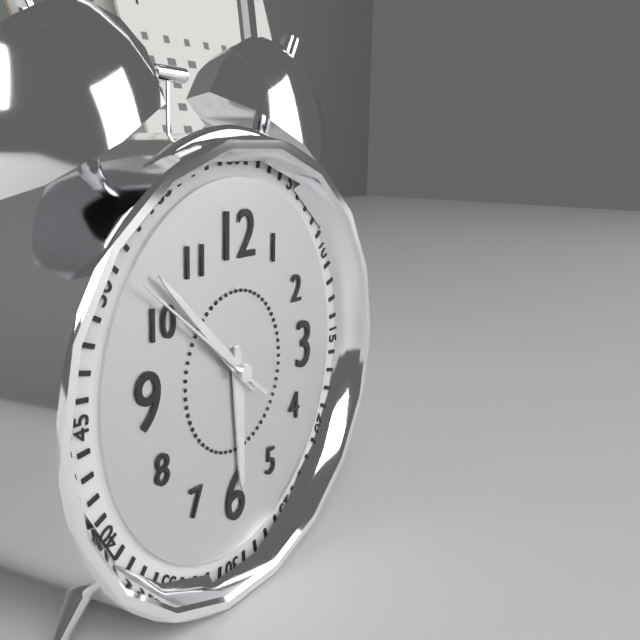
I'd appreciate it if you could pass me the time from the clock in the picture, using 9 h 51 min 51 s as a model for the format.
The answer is 5 h 52 min 51 s
